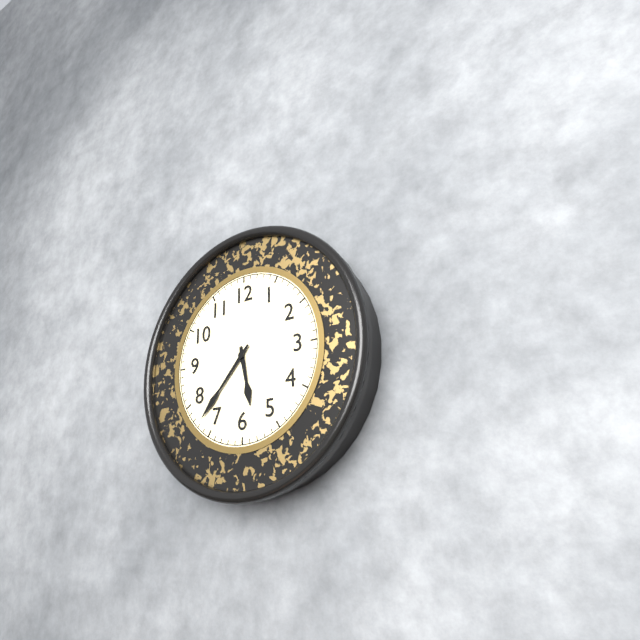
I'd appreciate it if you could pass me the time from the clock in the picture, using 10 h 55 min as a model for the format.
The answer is 5 h 37 min
